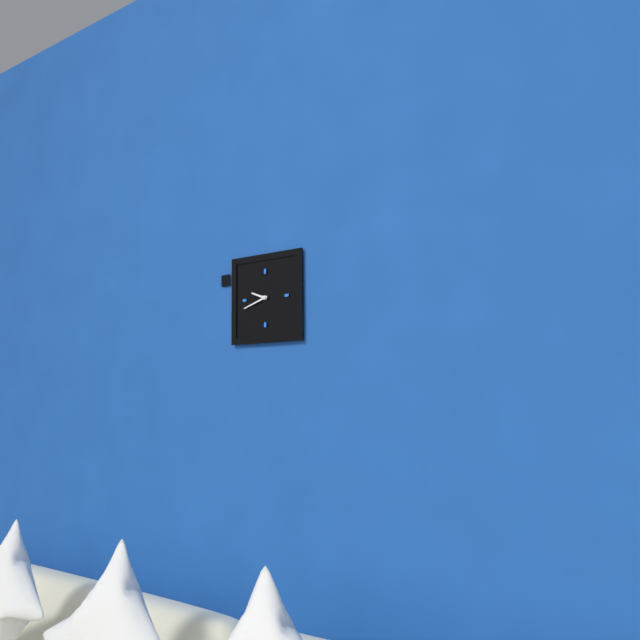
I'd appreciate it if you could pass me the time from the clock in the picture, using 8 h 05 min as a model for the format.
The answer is 9 h 42 min
